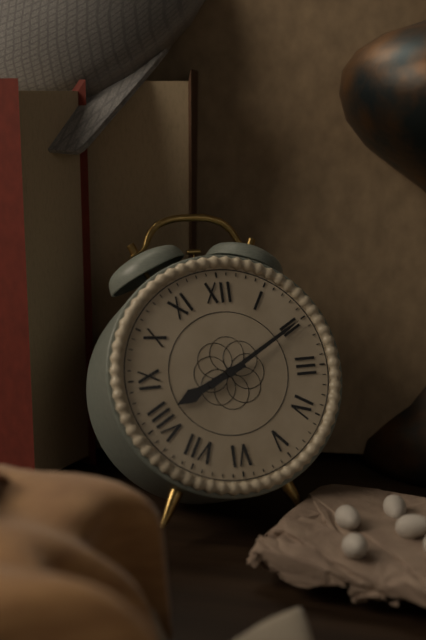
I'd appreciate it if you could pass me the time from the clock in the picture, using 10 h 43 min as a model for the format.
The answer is 8 h 10 min
